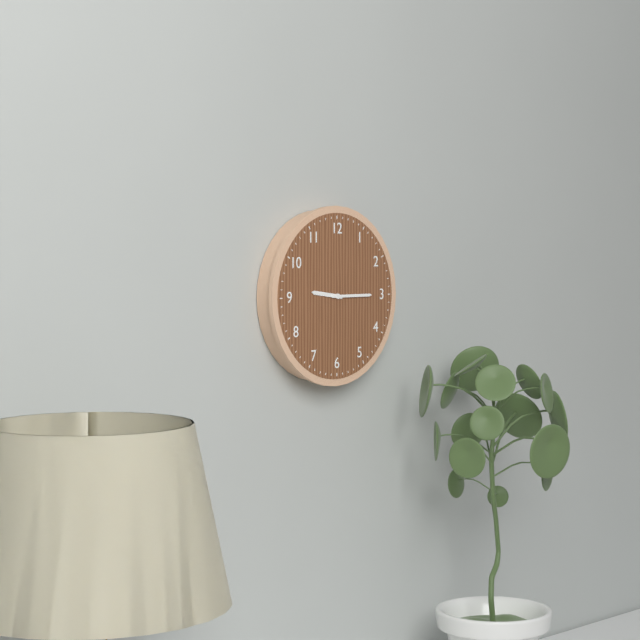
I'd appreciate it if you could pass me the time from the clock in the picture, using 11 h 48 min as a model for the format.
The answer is 9 h 15 min
